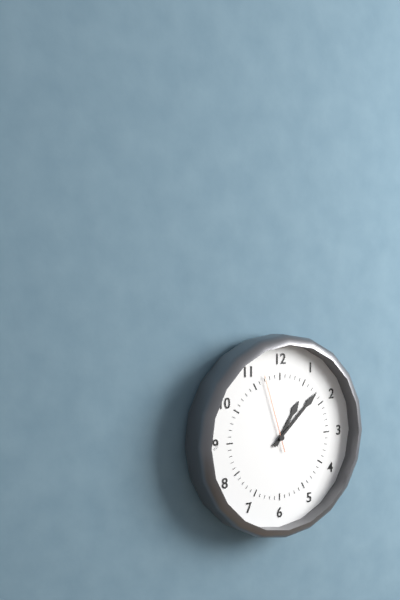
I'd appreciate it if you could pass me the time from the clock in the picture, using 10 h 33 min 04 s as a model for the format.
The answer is 1 h 08 min 57 s
